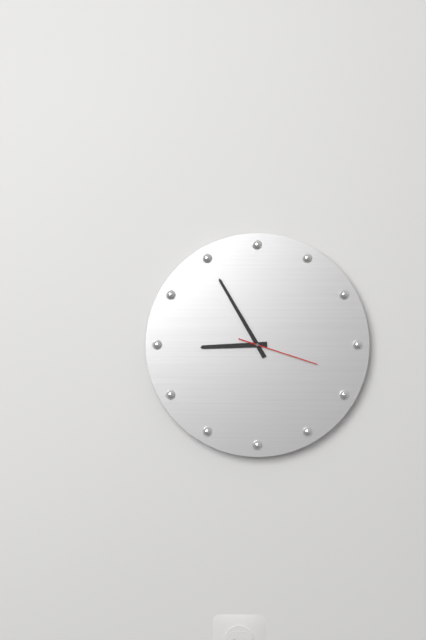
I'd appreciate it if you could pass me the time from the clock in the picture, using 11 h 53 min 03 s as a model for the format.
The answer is 8 h 55 min 18 s
